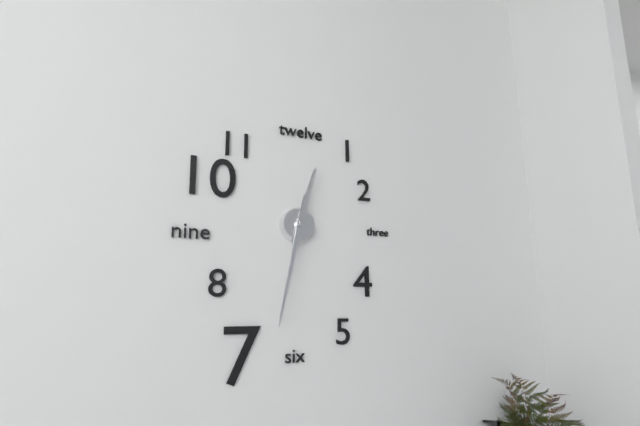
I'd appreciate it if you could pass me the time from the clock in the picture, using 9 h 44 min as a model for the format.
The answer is 12 h 32 min
